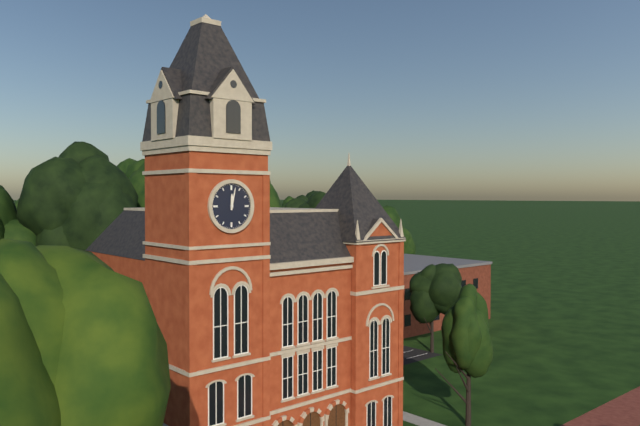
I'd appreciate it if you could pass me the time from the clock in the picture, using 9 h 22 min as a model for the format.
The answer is 12 h 02 min
